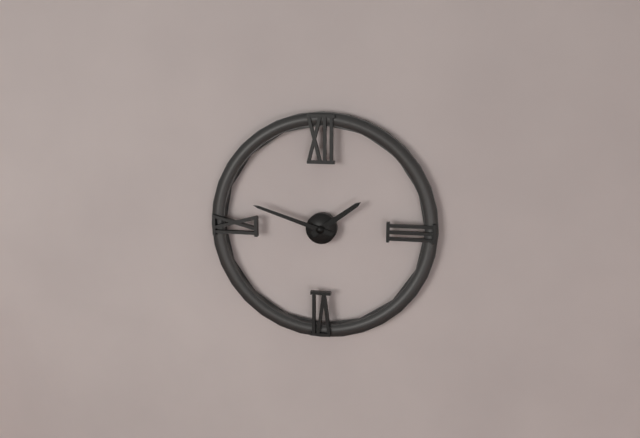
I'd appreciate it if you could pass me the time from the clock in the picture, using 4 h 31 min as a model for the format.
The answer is 1 h 48 min
